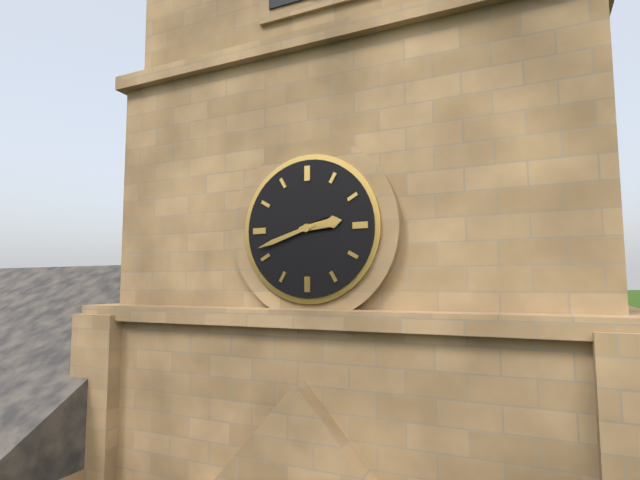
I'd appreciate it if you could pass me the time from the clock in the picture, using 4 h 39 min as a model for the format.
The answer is 2 h 42 min
